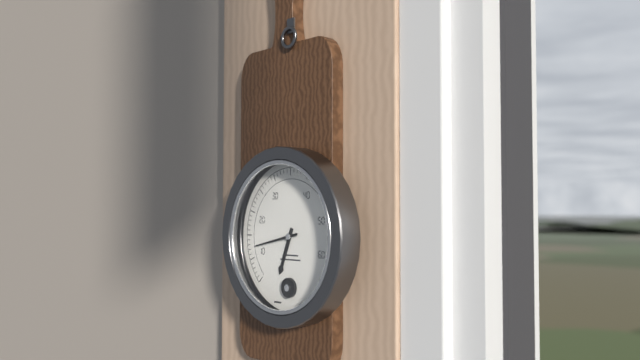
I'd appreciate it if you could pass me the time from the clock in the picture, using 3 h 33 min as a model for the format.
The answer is 6 h 43 min
